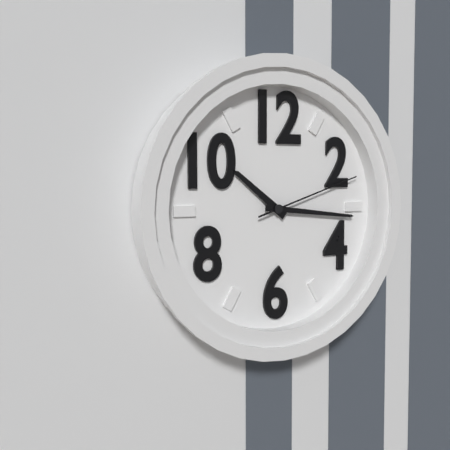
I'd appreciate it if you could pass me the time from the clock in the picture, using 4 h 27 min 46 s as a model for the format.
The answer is 10 h 16 min 12 s
